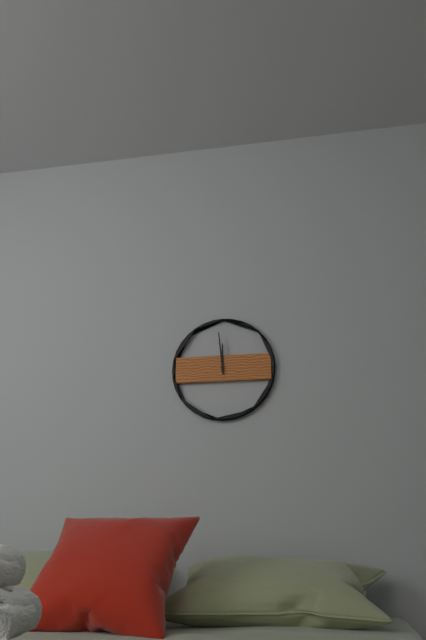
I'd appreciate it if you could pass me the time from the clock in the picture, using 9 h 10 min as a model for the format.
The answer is 11 h 59 min
